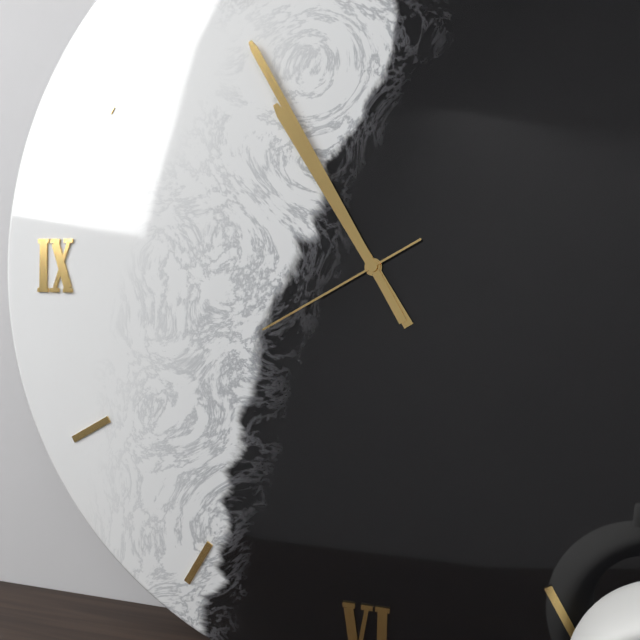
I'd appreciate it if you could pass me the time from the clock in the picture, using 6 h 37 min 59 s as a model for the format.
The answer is 10 h 55 min 40 s
